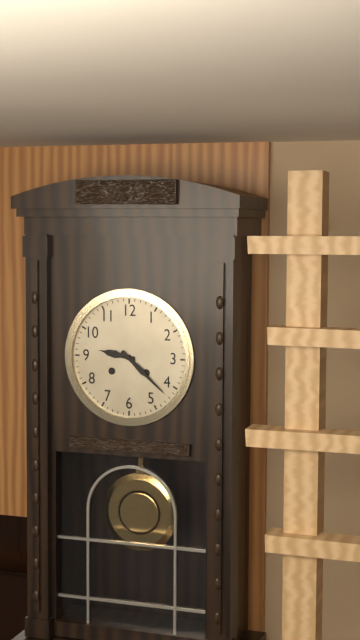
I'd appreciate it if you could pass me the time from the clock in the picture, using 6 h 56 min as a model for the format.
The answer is 9 h 22 min
